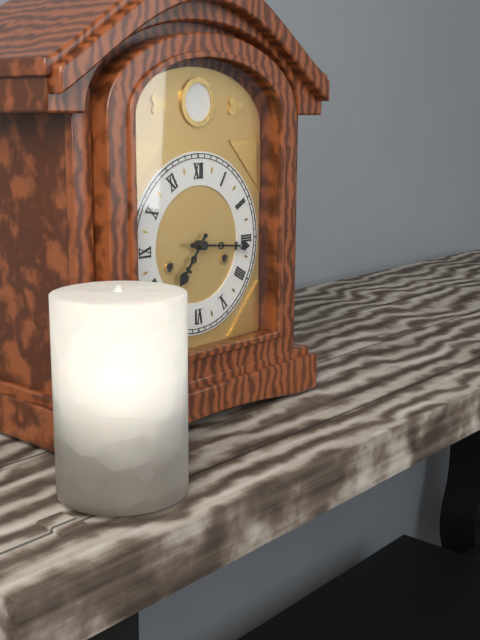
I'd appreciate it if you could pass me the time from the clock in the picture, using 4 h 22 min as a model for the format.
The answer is 7 h 16 min
